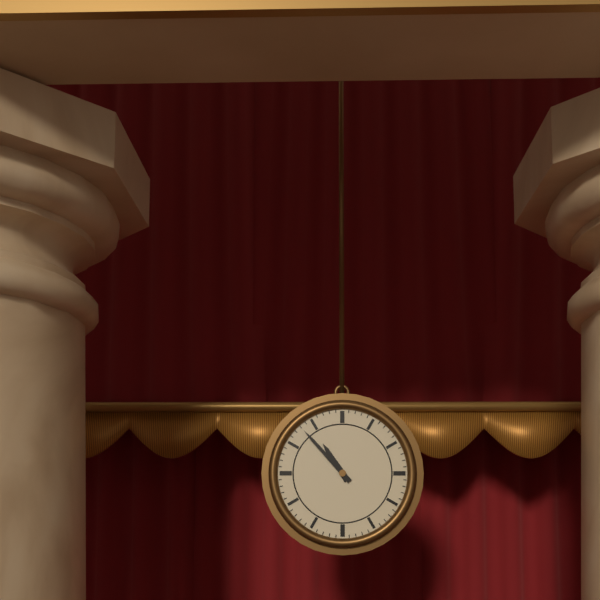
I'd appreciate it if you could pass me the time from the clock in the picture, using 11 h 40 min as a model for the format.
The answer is 10 h 53 min
